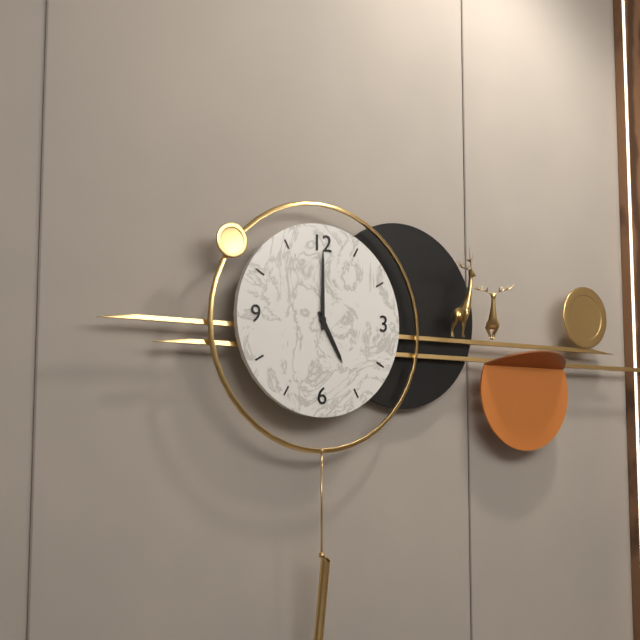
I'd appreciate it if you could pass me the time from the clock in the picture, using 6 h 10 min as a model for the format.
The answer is 5 h 00 min
